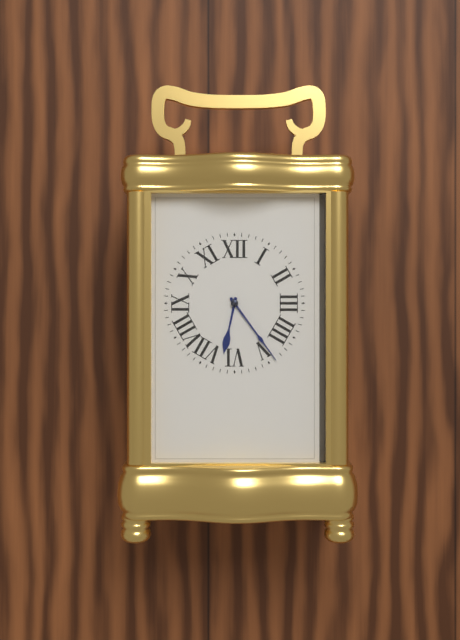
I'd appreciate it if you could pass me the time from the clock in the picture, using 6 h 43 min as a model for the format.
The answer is 6 h 24 min
